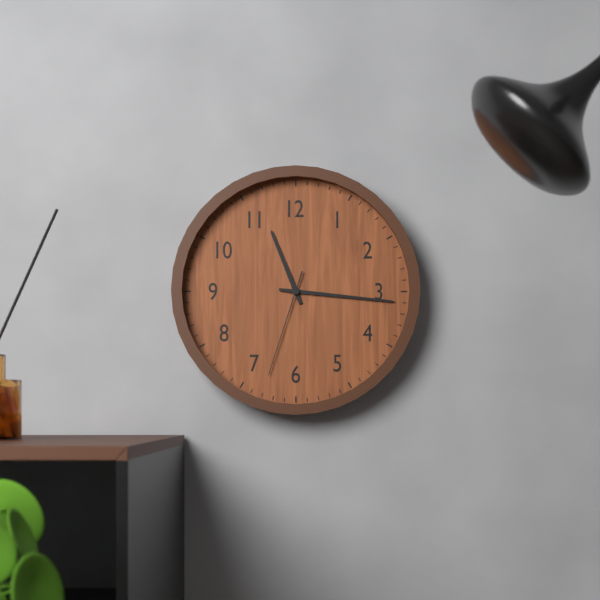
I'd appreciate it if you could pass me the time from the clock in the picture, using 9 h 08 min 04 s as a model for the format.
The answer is 11 h 16 min 33 s
